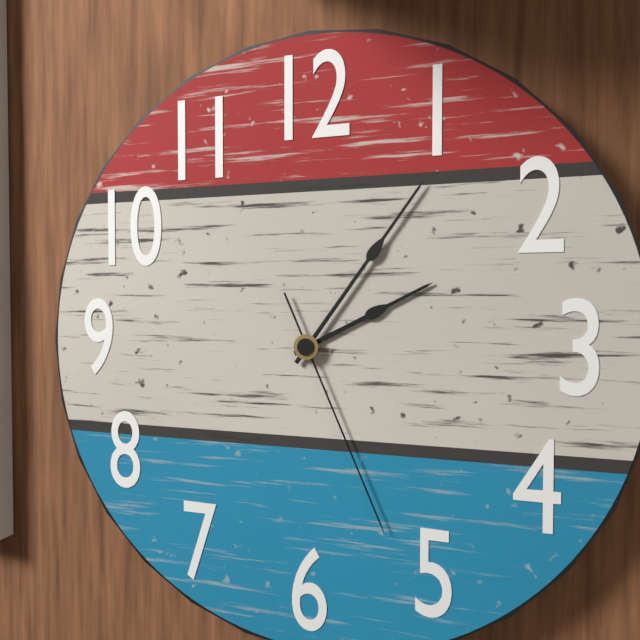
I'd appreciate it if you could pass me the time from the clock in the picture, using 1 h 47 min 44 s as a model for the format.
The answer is 2 h 06 min 26 s
